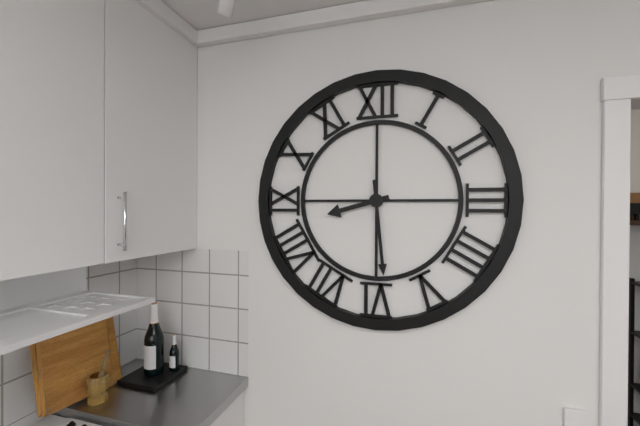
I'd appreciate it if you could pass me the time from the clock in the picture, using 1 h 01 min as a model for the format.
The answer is 8 h 29 min
